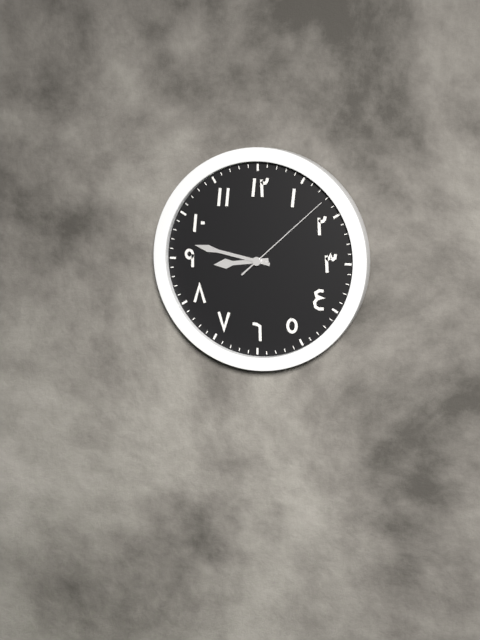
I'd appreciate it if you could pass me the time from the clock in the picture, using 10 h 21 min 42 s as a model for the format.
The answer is 8 h 47 min 08 s
